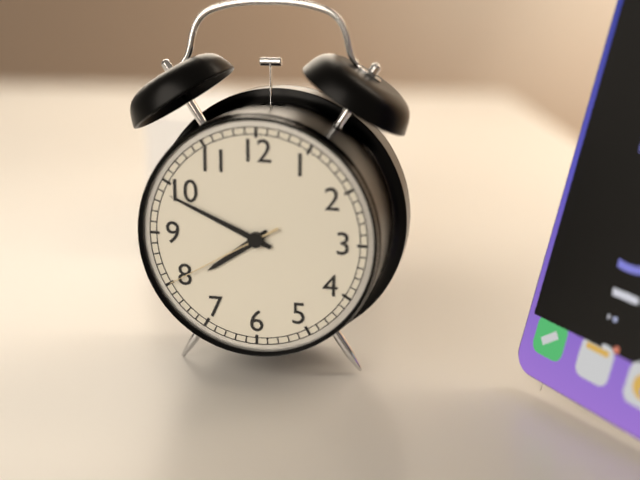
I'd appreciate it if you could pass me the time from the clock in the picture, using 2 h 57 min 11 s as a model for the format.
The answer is 7 h 49 min 40 s
